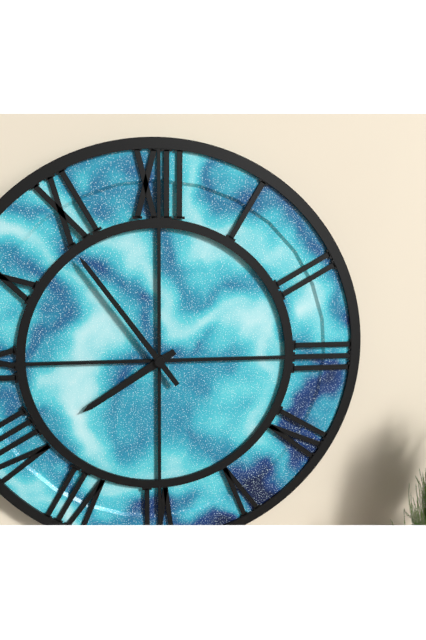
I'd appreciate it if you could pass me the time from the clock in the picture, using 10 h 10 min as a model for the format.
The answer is 7 h 54 min
